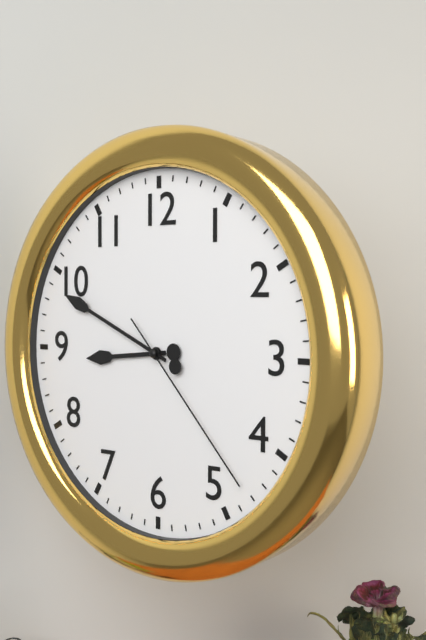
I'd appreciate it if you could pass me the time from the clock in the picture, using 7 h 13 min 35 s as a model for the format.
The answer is 8 h 49 min 23 s
